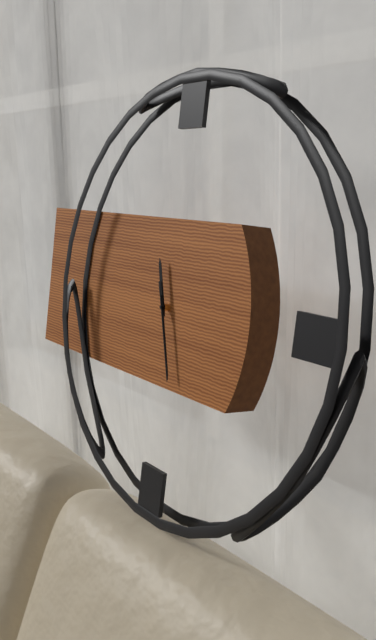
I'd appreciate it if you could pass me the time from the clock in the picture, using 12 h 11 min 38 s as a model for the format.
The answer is 11 h 27 min 27 s
